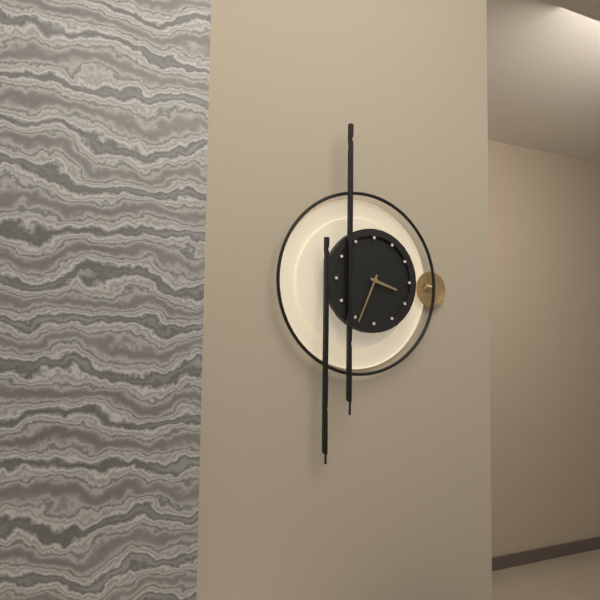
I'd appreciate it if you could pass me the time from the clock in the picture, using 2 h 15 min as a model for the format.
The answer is 3 h 34 min
